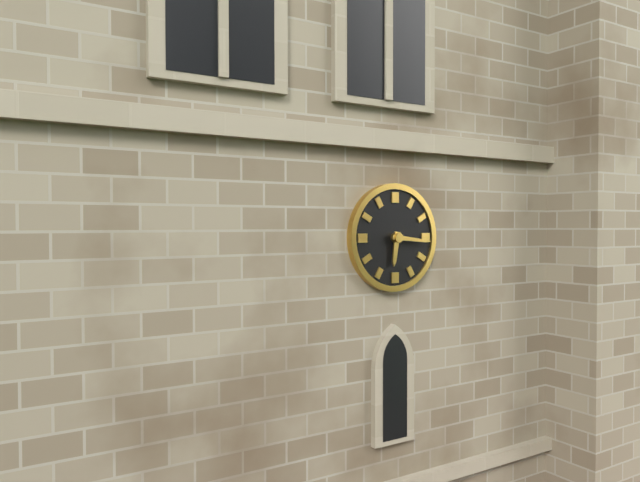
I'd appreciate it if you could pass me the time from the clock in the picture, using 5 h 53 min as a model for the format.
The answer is 6 h 16 min
